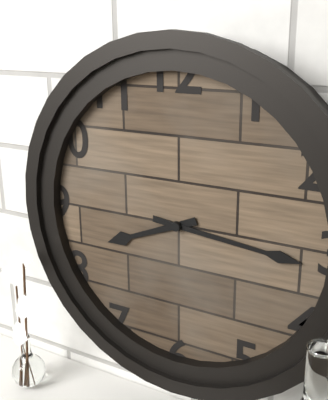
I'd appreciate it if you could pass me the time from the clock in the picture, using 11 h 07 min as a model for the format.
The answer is 8 h 16 min
